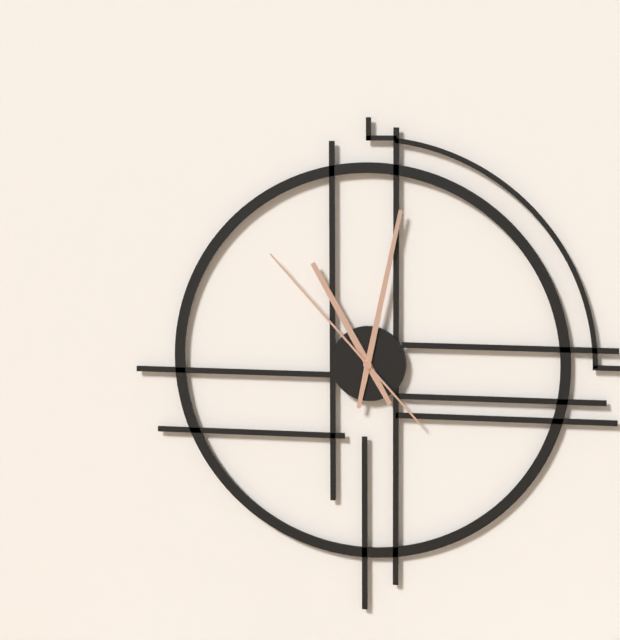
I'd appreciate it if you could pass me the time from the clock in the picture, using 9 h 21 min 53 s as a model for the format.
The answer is 11 h 02 min 53 s
